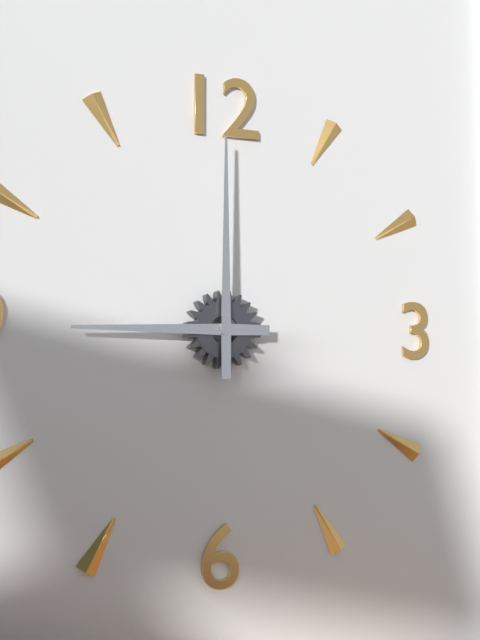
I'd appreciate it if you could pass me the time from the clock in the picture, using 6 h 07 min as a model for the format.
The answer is 9 h 00 min
